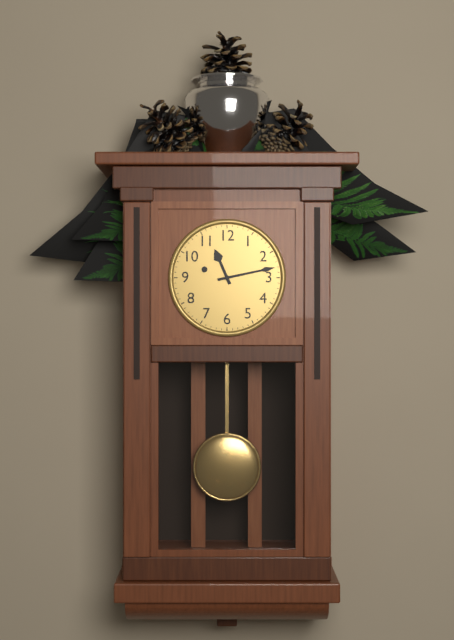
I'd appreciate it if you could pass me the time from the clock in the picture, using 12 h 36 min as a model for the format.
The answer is 11 h 13 min
